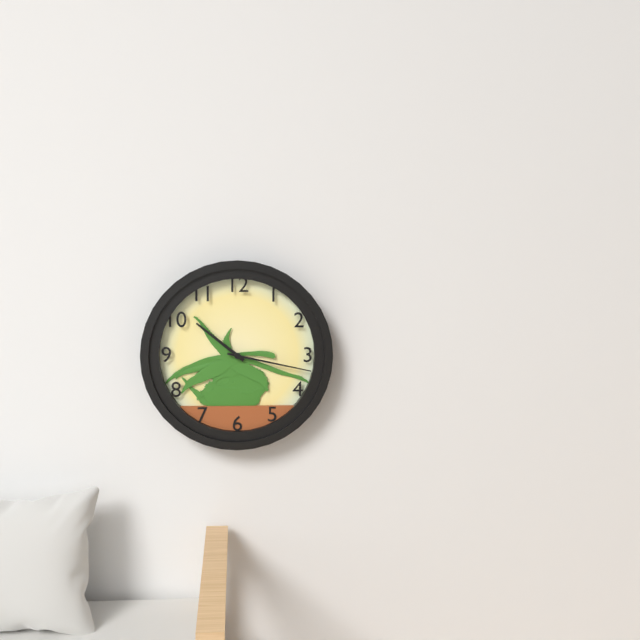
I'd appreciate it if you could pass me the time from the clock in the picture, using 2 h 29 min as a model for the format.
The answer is 10 h 17 min
